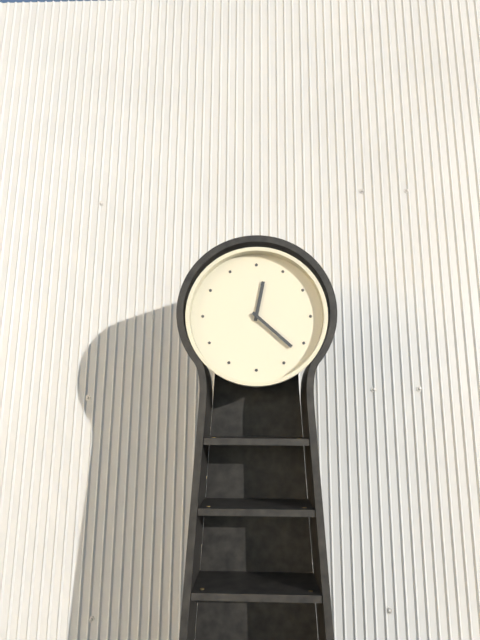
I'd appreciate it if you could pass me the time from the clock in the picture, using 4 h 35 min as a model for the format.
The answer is 12 h 22 min
